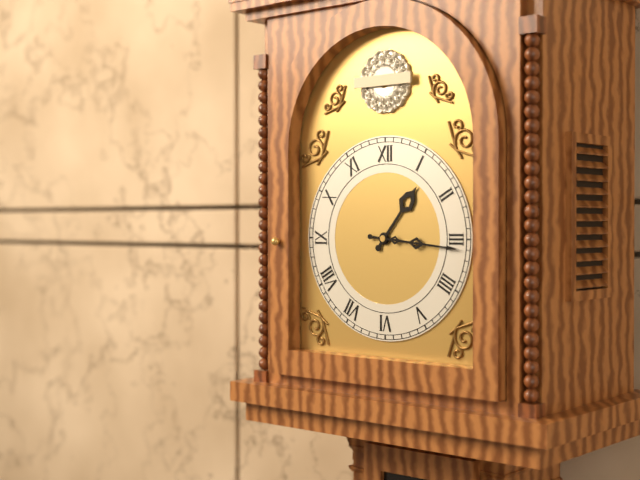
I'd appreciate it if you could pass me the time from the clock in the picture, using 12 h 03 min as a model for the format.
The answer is 1 h 16 min
